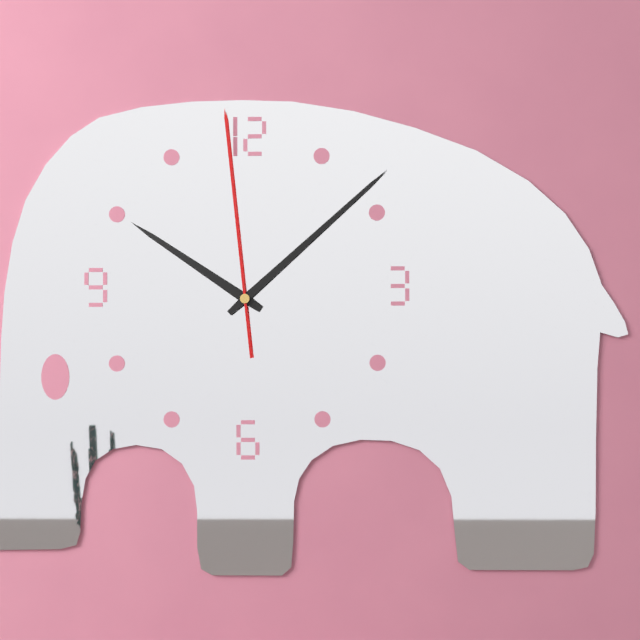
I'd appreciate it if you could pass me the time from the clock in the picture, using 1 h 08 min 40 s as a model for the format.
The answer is 10 h 08 min 59 s
